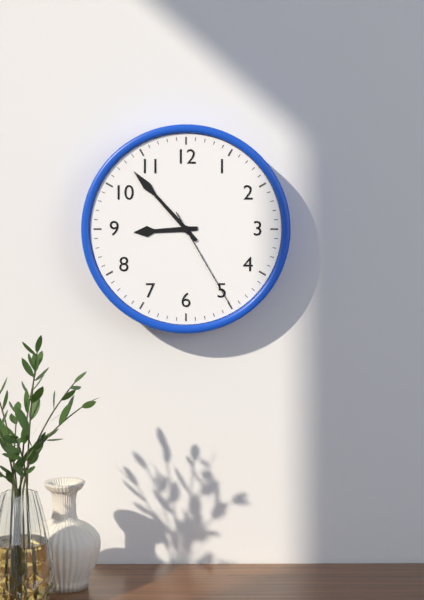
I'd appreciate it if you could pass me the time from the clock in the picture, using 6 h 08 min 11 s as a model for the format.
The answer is 8 h 53 min 25 s
